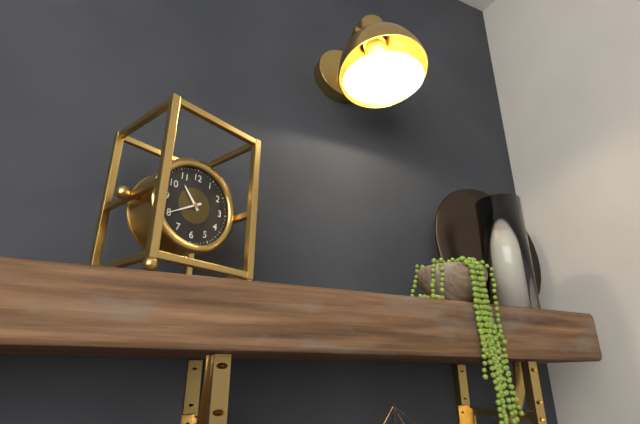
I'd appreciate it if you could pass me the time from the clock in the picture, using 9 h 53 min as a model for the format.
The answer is 10 h 40 min
